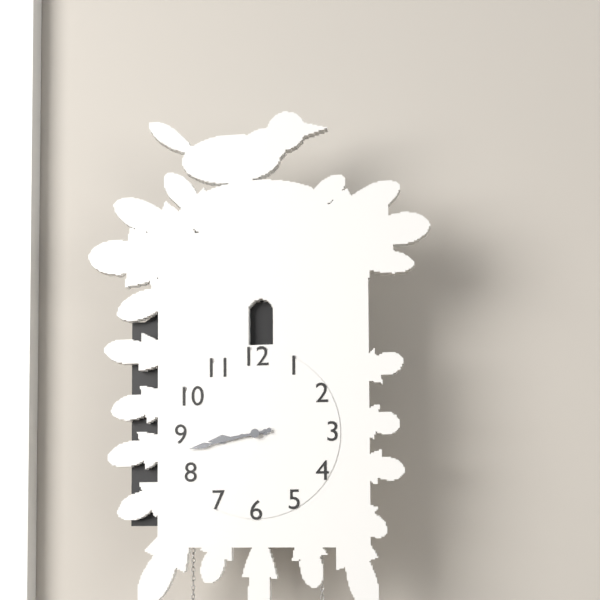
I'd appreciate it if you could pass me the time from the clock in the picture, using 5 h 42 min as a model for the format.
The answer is 8 h 43 min
